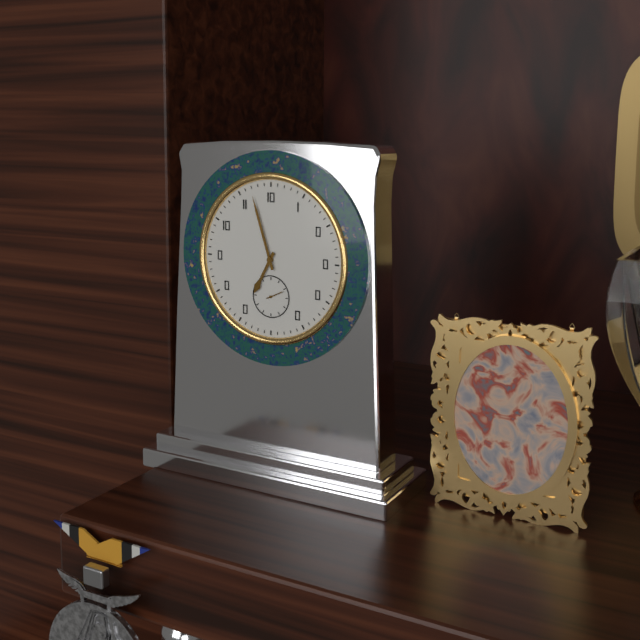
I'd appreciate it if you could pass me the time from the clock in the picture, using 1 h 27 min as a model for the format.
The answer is 6 h 57 min
